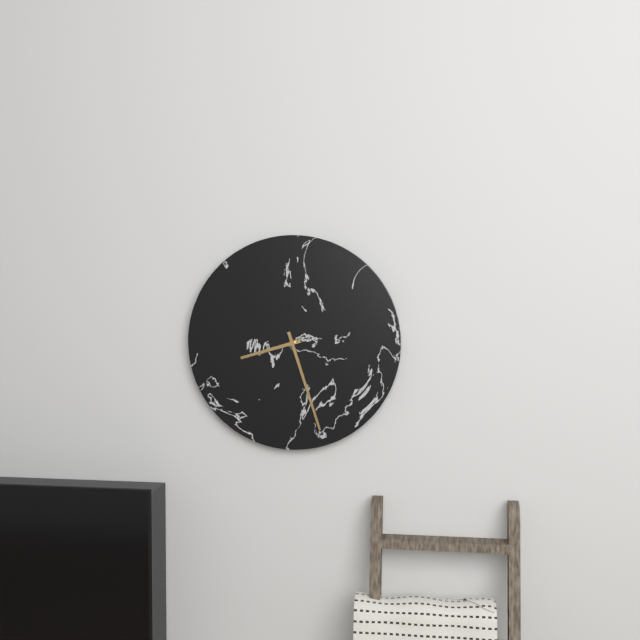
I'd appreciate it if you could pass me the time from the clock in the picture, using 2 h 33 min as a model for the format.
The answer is 8 h 27 min
